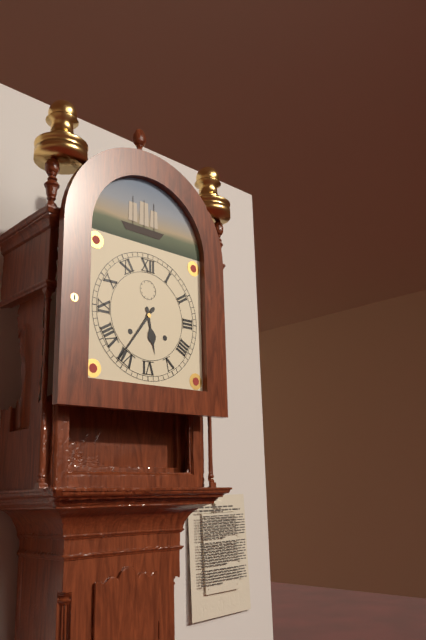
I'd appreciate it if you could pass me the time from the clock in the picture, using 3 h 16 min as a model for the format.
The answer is 5 h 36 min
